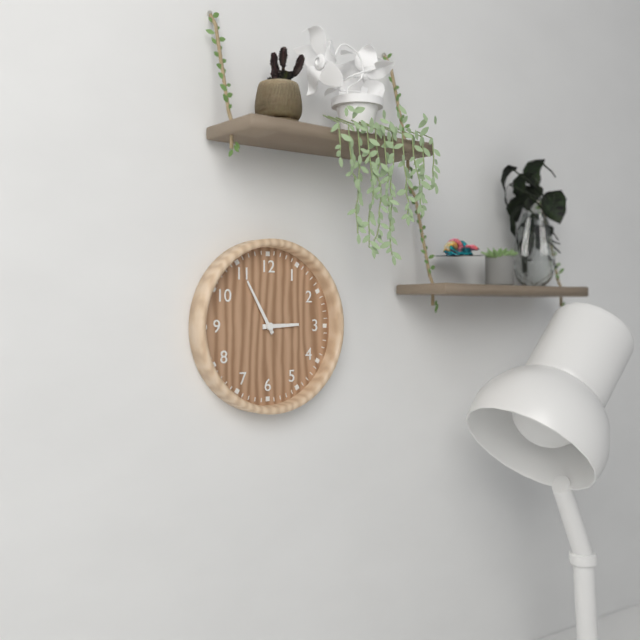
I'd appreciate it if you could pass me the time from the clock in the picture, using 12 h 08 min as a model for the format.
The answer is 2 h 55 min
